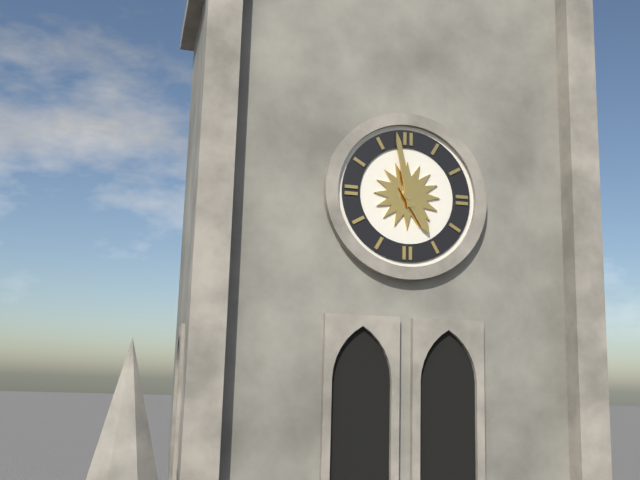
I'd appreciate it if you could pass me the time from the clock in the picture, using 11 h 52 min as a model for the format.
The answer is 4 h 58 min
